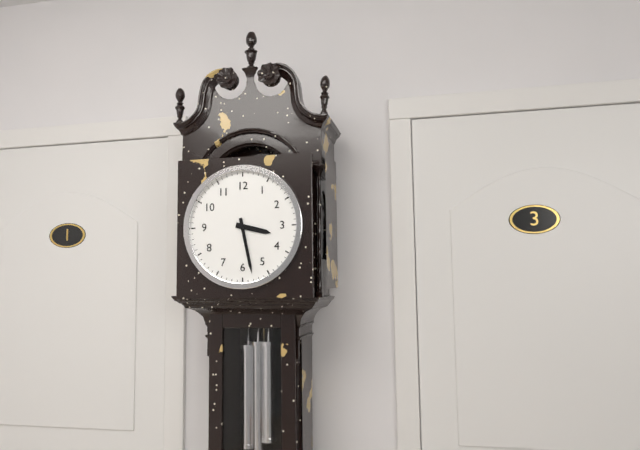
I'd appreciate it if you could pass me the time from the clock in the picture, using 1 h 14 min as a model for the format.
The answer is 3 h 28 min
